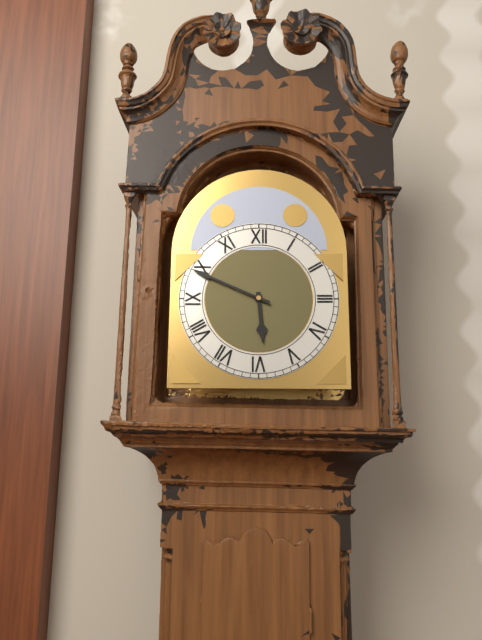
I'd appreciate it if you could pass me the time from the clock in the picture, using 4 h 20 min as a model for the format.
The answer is 5 h 49 min
